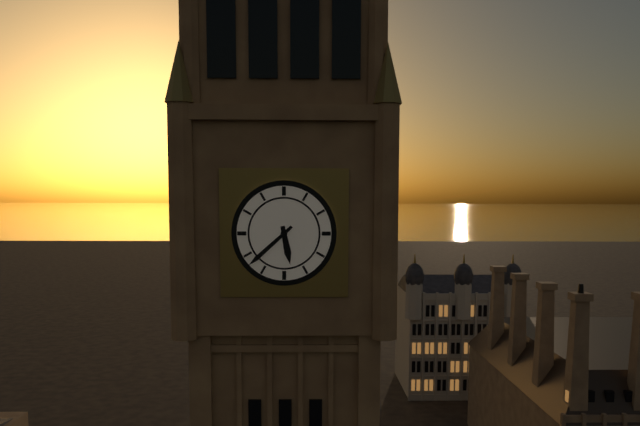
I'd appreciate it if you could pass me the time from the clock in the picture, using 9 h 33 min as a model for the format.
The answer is 5 h 38 min
